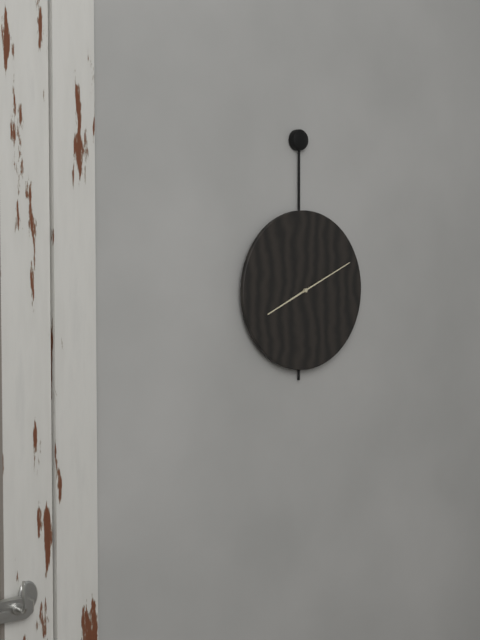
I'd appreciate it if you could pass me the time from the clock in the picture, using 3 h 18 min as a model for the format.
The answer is 8 h 11 min
